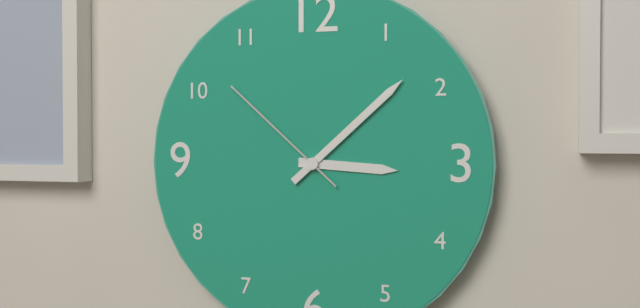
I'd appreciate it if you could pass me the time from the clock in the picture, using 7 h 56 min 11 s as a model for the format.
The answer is 3 h 08 min 52 s
